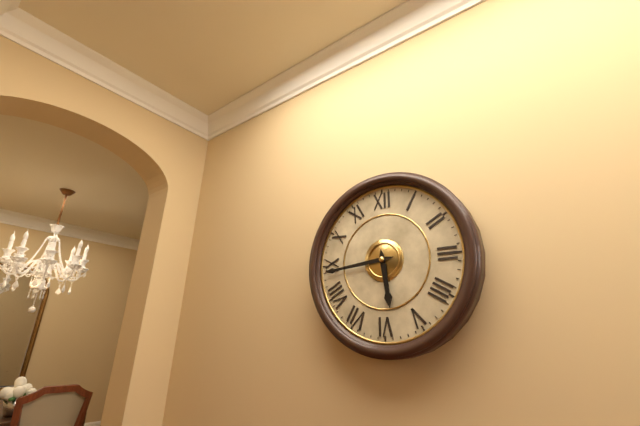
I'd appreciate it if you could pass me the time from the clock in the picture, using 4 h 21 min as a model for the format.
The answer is 5 h 44 min
